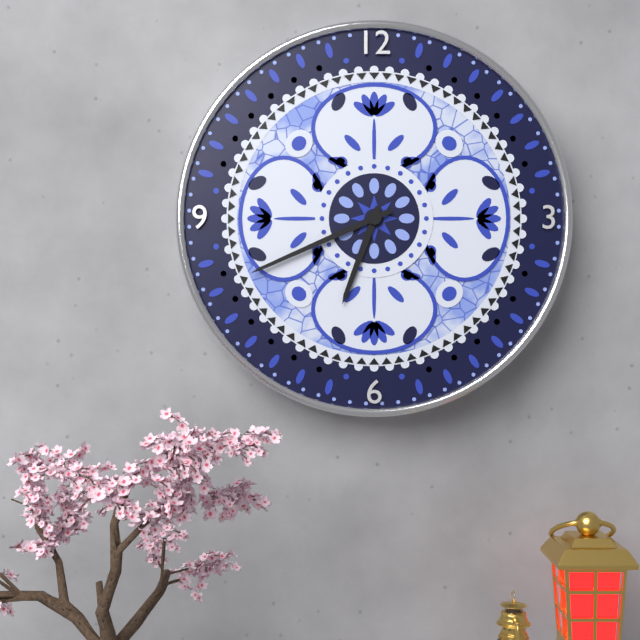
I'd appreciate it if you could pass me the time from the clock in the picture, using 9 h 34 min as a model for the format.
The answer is 6 h 41 min
